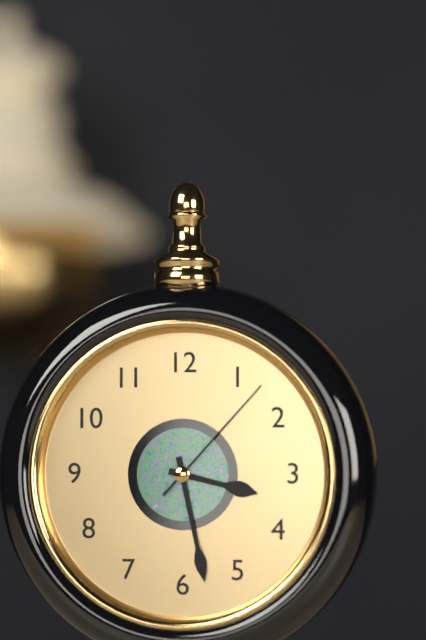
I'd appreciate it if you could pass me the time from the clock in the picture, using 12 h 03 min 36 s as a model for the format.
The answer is 3 h 28 min 07 s
